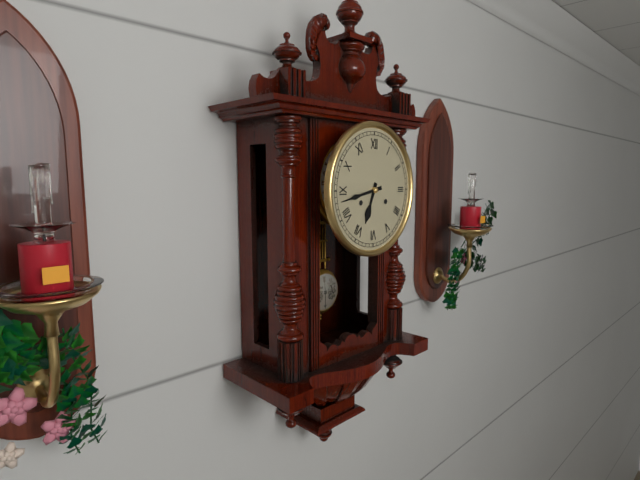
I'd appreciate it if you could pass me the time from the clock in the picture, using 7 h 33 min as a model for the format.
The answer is 6 h 43 min
